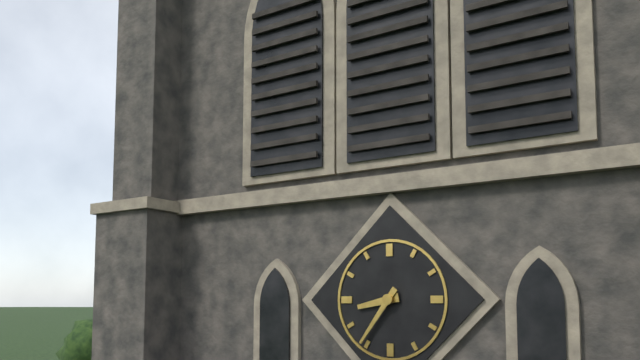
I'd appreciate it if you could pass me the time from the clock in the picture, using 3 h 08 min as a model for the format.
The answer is 8 h 36 min
